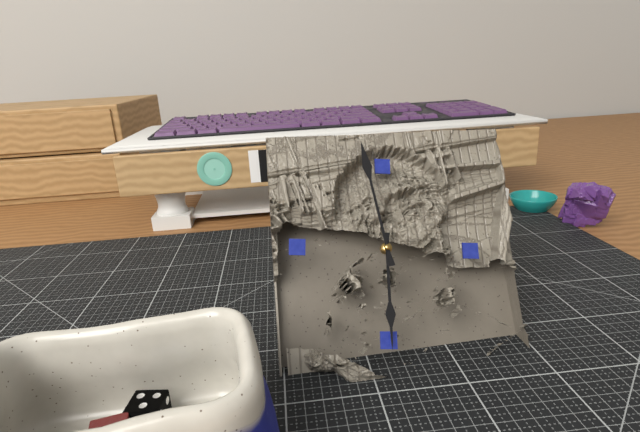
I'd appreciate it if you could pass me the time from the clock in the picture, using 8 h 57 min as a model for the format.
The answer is 5 h 58 min
